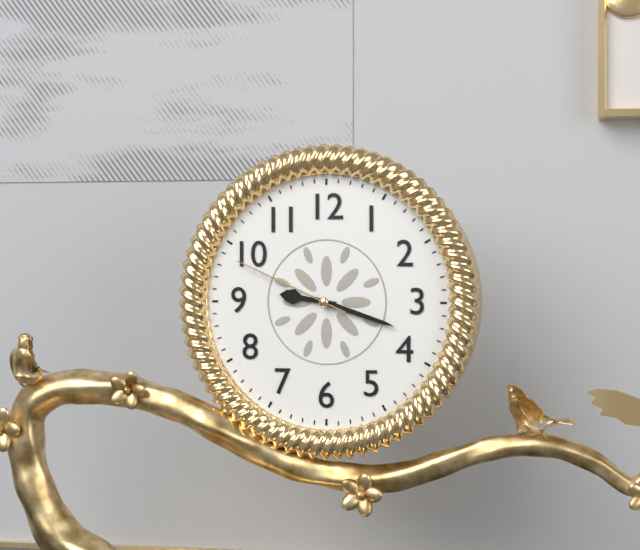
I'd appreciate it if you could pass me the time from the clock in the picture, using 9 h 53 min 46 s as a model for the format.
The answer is 9 h 18 min 49 s
